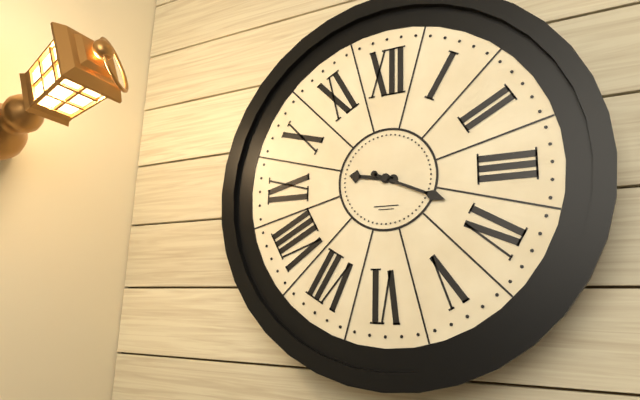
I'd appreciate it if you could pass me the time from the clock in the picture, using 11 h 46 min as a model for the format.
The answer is 9 h 19 min
